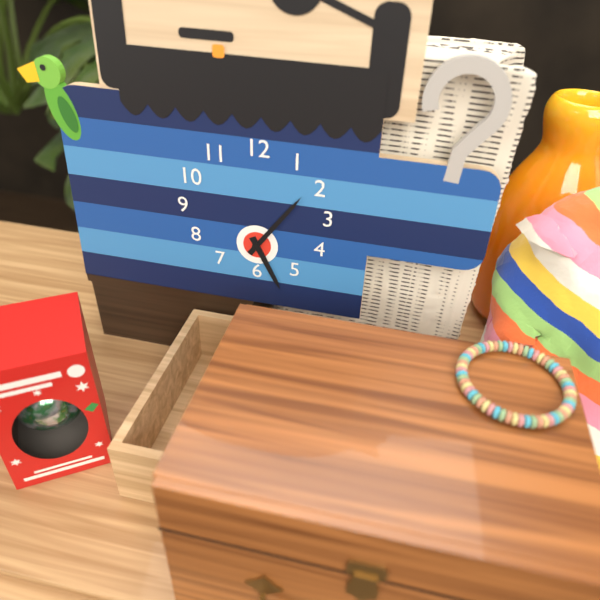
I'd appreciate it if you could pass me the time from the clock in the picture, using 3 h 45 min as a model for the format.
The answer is 5 h 06 min
